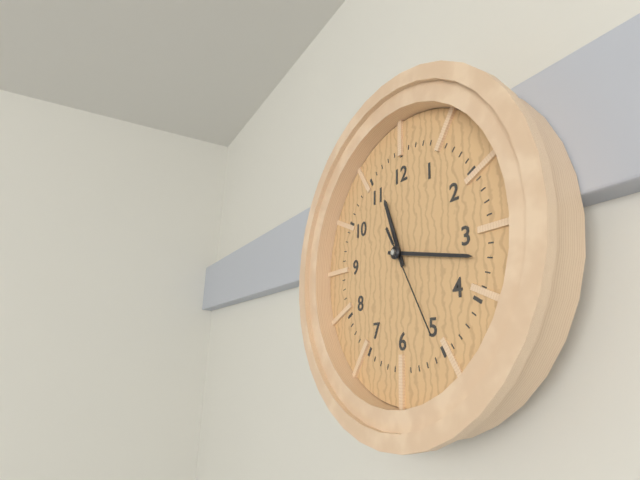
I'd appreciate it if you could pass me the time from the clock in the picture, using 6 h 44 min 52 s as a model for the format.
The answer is 11 h 17 min 25 s
